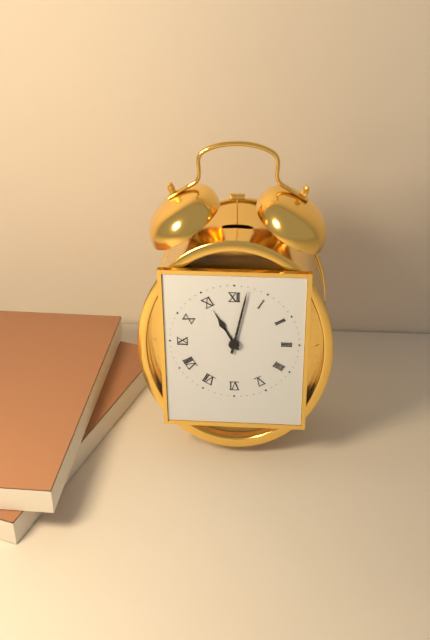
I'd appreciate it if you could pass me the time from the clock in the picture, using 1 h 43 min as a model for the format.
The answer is 11 h 02 min
